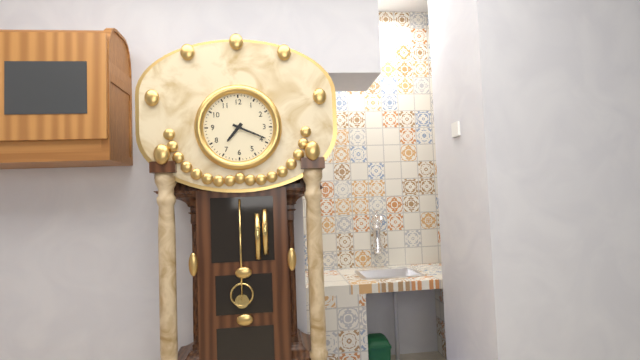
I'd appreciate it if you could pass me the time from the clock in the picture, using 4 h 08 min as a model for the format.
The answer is 7 h 19 min
